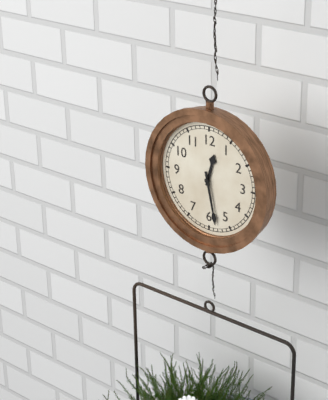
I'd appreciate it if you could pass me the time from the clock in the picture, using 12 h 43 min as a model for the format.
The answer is 12 h 28 min
